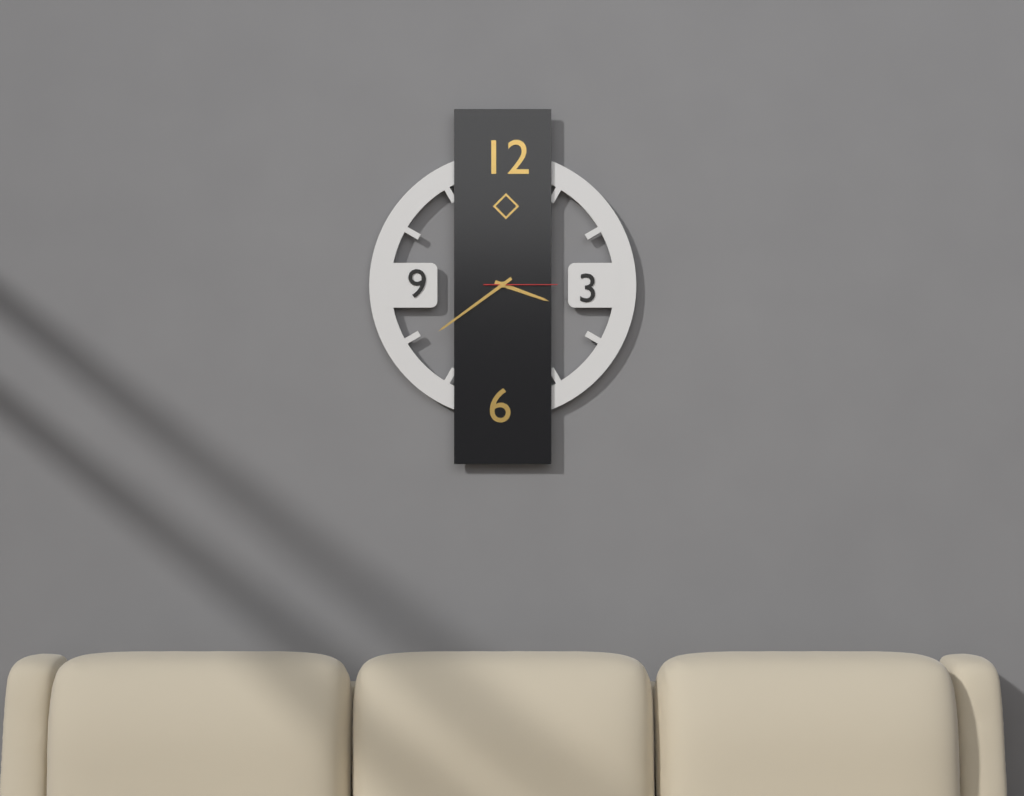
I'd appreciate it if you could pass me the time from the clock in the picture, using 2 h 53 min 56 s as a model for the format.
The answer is 3 h 39 min 15 s
